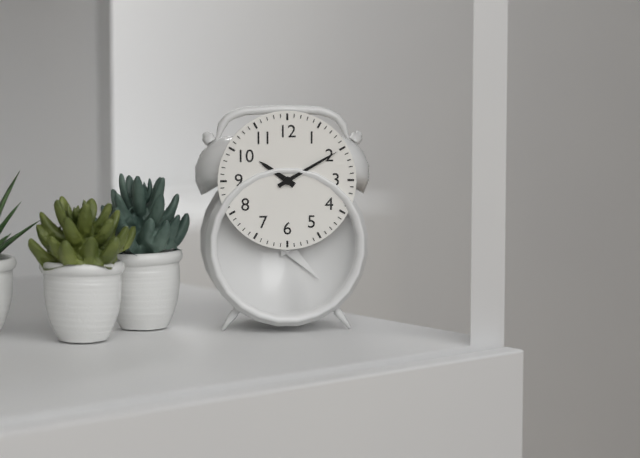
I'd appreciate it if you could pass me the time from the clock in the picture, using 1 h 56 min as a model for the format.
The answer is 10 h 10 min
